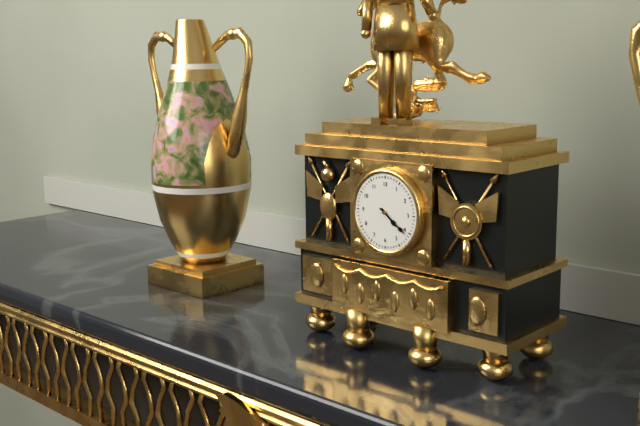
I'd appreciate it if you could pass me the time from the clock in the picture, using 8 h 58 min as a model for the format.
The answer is 4 h 21 min
